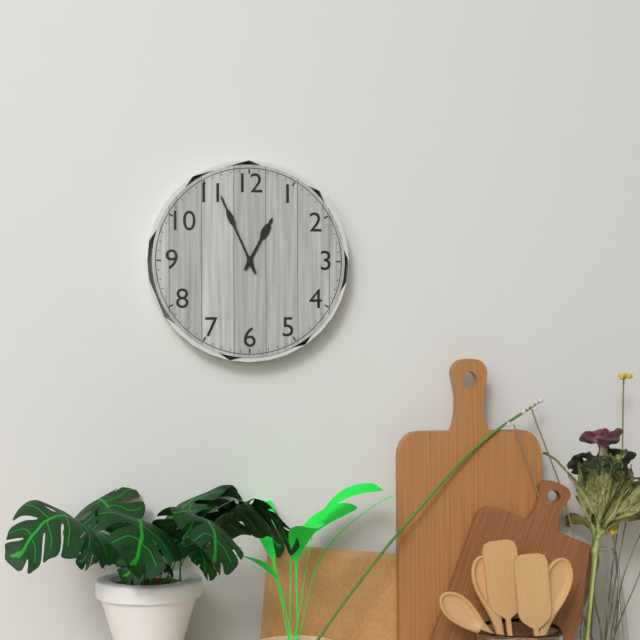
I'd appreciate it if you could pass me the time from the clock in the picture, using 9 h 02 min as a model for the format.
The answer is 12 h 56 min
